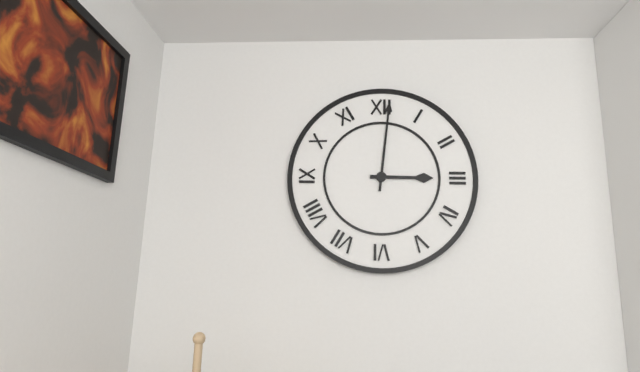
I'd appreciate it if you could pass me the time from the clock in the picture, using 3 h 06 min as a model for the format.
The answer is 3 h 01 min
